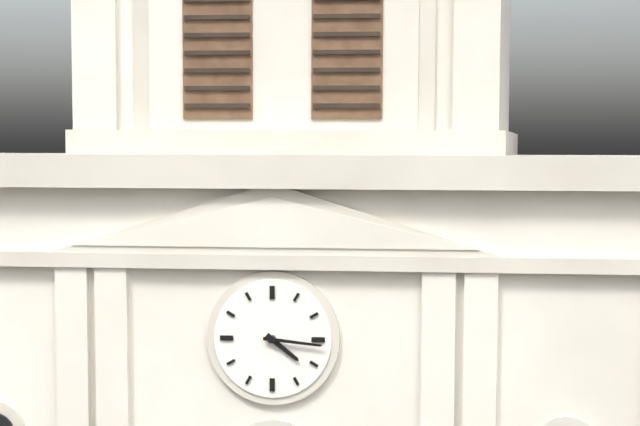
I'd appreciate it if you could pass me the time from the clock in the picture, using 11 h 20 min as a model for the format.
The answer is 4 h 16 min
